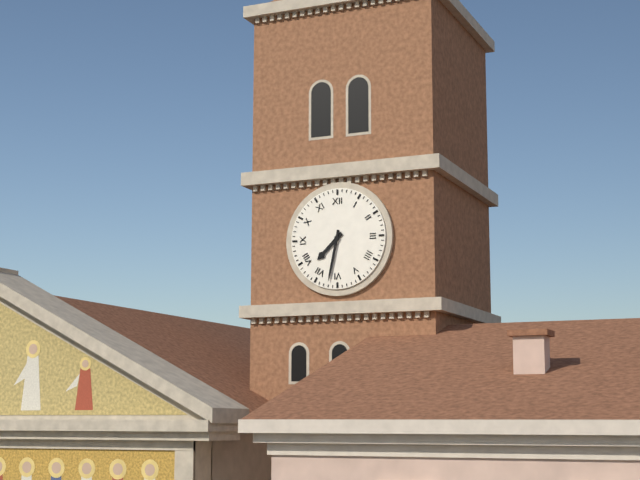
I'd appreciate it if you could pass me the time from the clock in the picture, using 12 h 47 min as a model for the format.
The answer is 7 h 32 min
